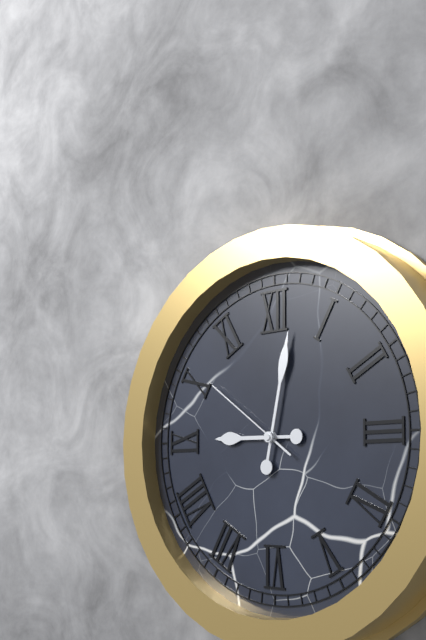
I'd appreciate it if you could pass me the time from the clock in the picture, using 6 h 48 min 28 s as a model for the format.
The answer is 9 h 02 min 51 s
